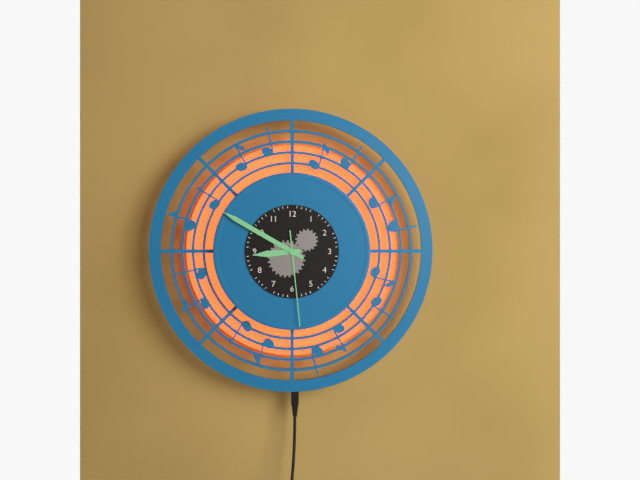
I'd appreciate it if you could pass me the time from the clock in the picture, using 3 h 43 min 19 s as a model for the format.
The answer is 8 h 50 min 29 s
